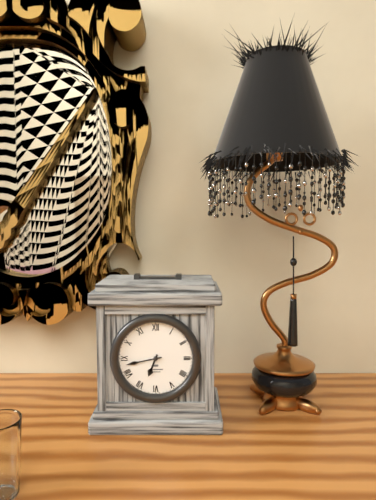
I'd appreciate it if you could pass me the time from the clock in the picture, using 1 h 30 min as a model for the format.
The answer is 6 h 43 min
